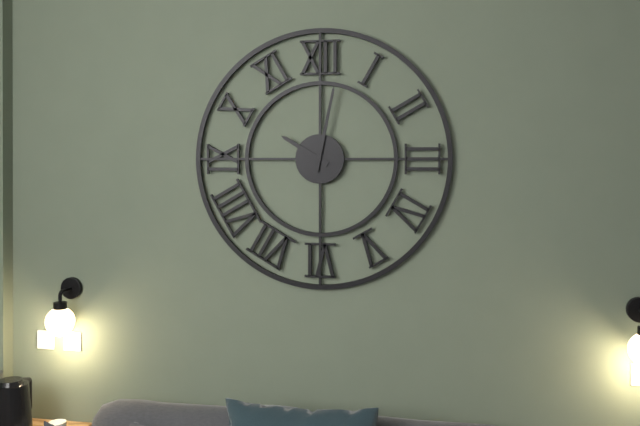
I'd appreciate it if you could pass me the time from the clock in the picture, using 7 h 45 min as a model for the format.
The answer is 10 h 02 min
